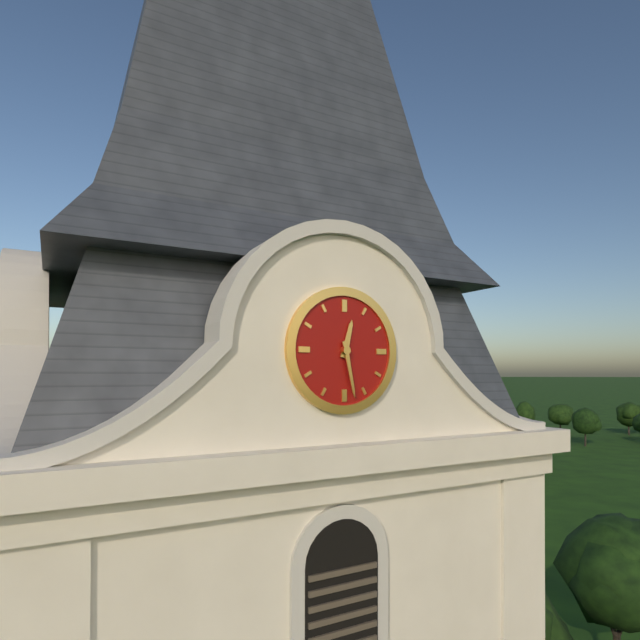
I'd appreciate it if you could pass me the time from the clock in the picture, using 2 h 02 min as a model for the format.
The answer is 12 h 28 min
